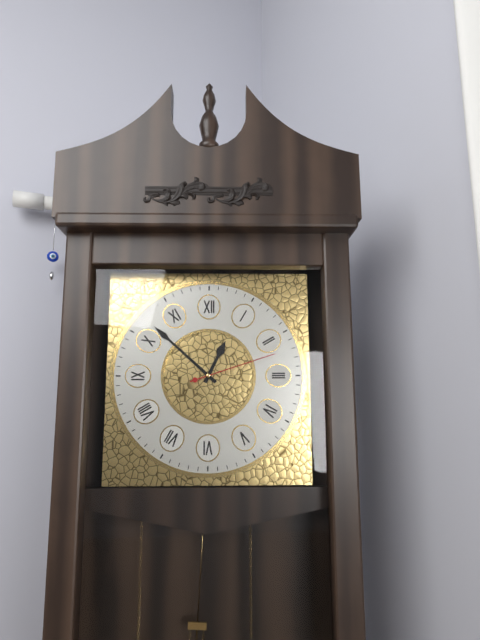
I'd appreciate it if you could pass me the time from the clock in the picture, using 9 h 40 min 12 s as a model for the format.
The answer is 12 h 52 min 12 s
